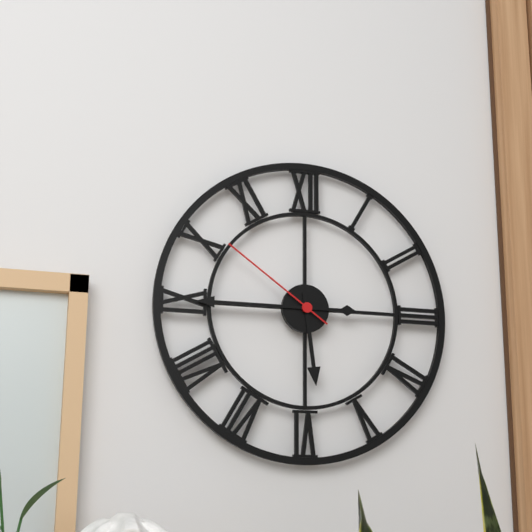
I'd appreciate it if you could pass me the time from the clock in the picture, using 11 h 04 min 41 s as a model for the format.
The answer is 5 h 45 min 51 s
